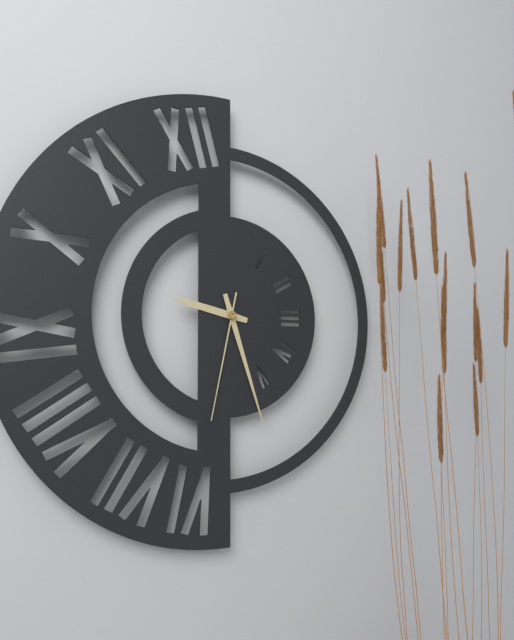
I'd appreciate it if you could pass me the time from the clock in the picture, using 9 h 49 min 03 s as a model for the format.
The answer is 9 h 27 min 32 s
